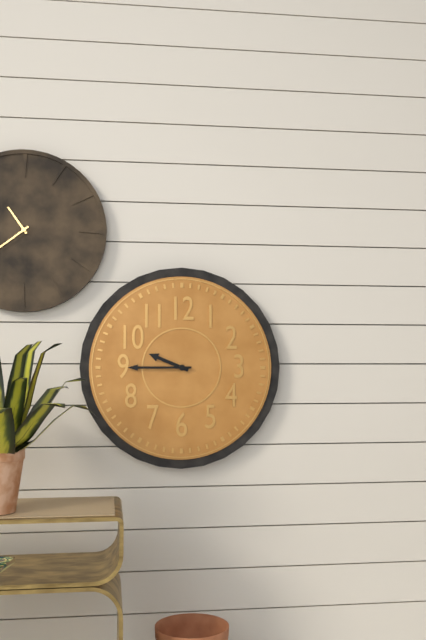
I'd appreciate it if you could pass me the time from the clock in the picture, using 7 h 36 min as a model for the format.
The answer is 9 h 45 min
